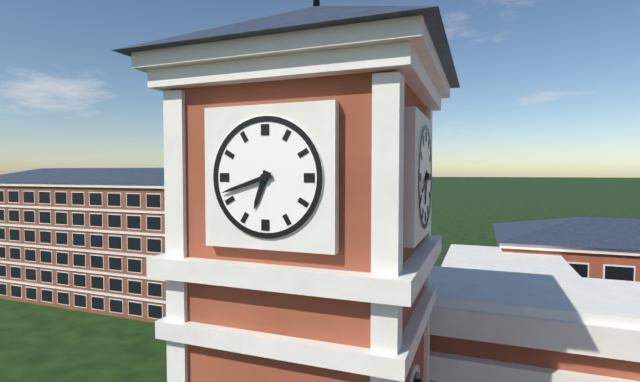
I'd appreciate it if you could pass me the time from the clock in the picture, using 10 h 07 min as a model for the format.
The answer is 6 h 42 min
